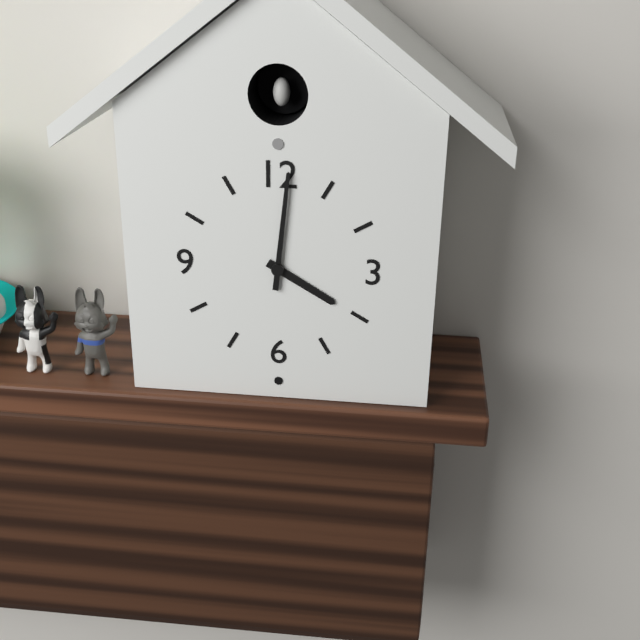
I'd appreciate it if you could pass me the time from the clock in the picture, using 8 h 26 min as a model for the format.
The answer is 4 h 01 min
